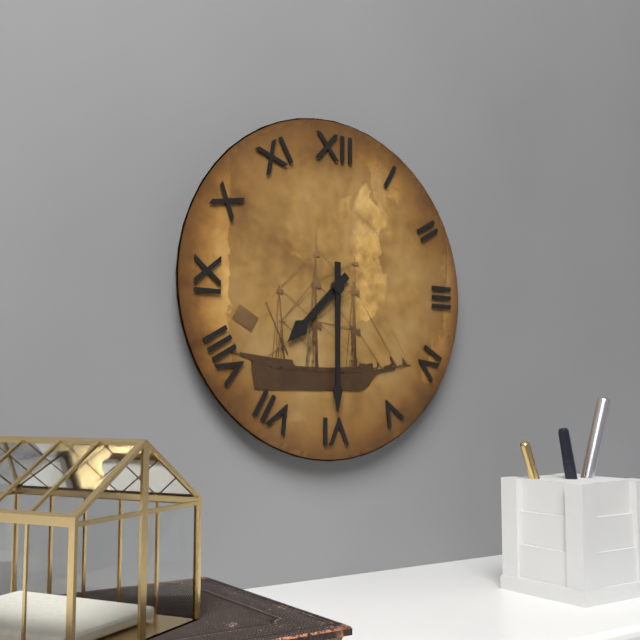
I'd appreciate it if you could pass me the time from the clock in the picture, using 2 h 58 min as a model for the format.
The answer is 7 h 30 min
